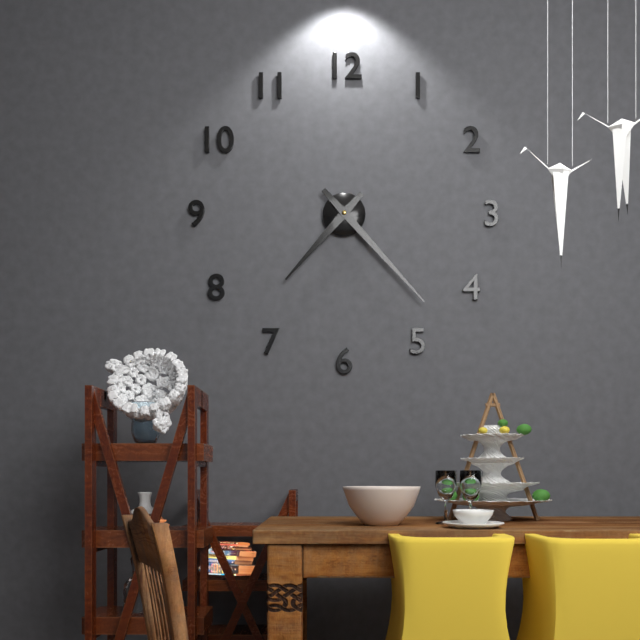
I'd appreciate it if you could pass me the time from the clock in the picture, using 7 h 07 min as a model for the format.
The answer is 7 h 23 min
